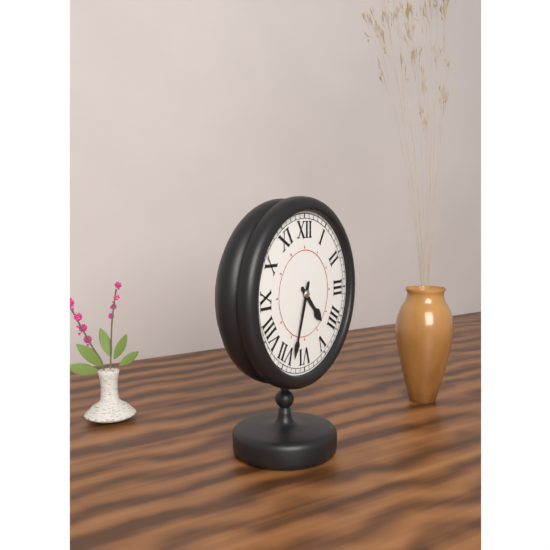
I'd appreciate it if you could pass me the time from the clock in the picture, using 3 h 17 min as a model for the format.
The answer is 4 h 33 min
